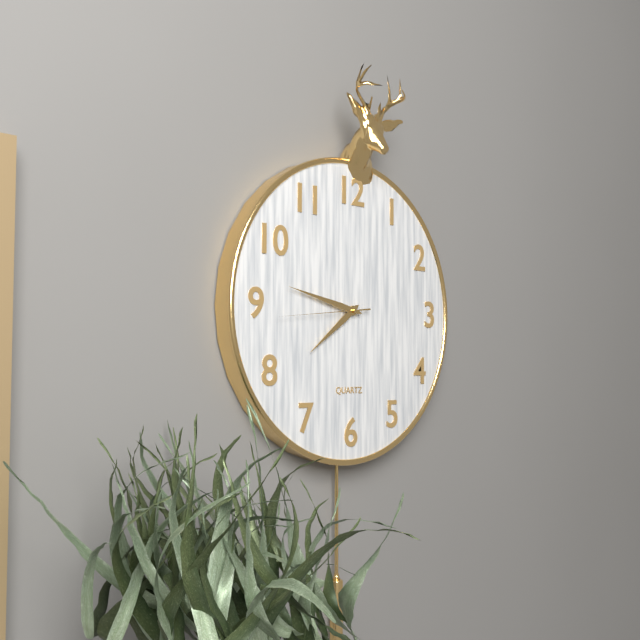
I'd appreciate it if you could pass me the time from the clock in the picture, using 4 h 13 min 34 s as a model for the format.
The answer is 7 h 47 min 44 s
